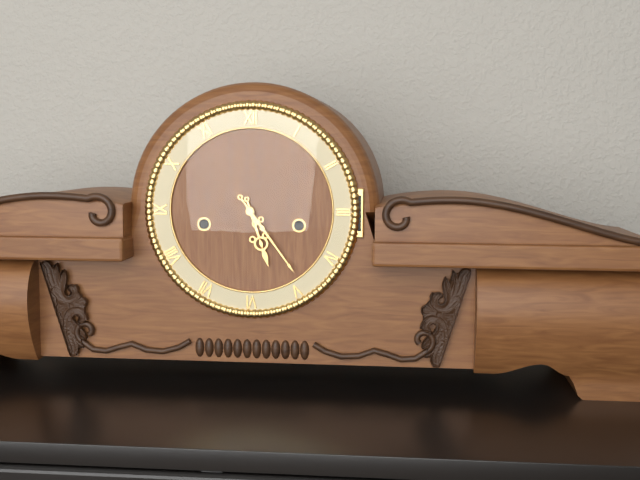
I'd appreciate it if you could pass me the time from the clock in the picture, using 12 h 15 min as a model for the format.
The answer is 5 h 24 min
